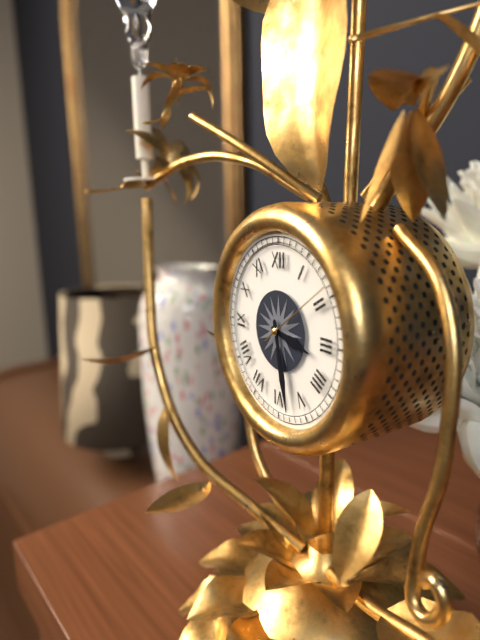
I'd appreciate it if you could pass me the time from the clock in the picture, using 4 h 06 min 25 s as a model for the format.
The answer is 3 h 28 min 09 s
